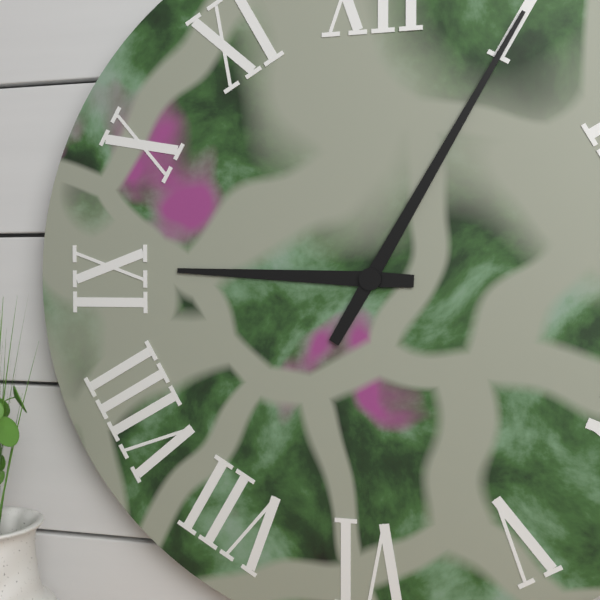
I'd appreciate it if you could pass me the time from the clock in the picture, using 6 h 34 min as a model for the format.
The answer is 9 h 05 min
